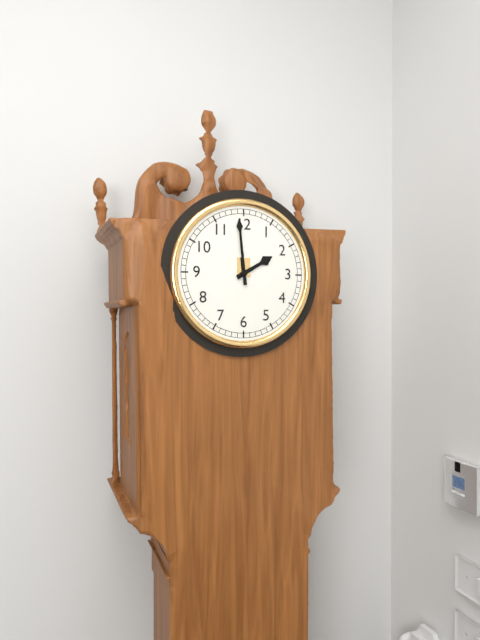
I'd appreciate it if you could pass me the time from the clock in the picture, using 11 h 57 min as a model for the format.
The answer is 1 h 59 min
